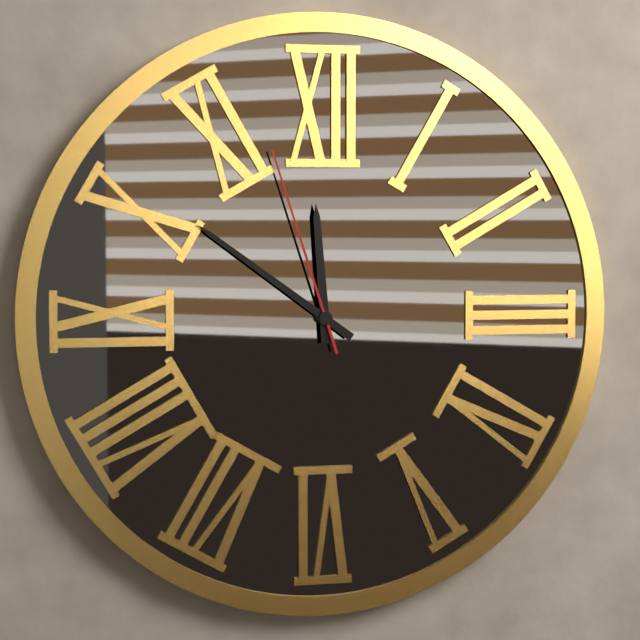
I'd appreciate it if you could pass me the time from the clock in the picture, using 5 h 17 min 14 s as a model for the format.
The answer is 11 h 51 min 57 s
